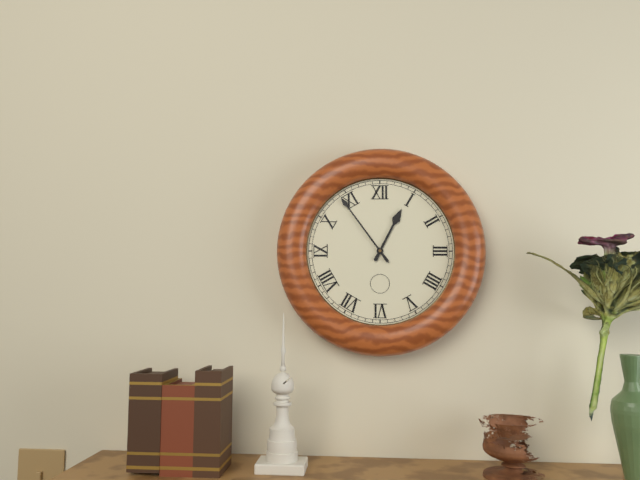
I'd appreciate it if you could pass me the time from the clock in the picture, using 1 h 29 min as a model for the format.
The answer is 12 h 54 min
